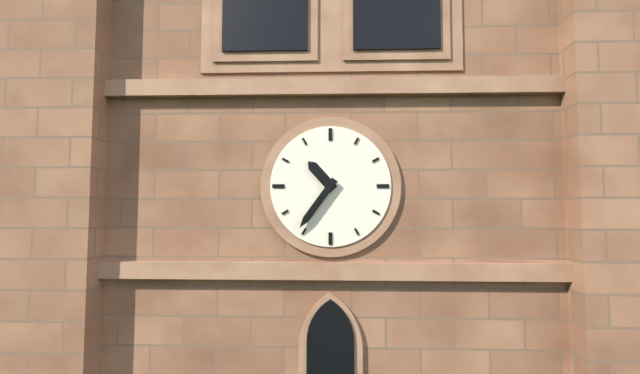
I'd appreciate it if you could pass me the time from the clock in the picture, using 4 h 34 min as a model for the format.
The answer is 10 h 36 min
